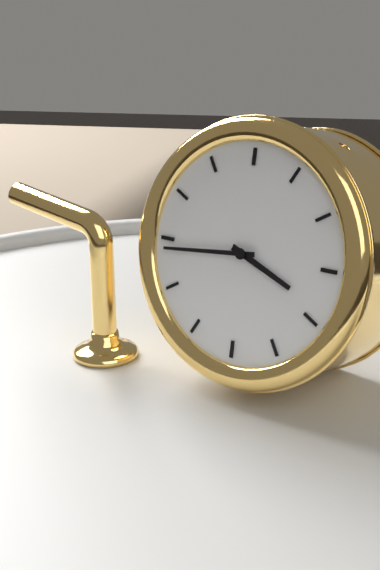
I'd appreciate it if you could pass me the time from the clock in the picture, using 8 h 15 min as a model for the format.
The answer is 3 h 44 min
